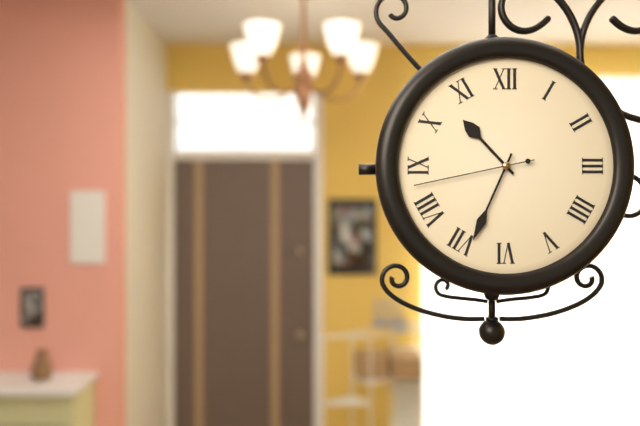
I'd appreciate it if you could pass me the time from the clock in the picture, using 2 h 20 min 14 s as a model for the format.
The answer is 10 h 34 min 43 s
